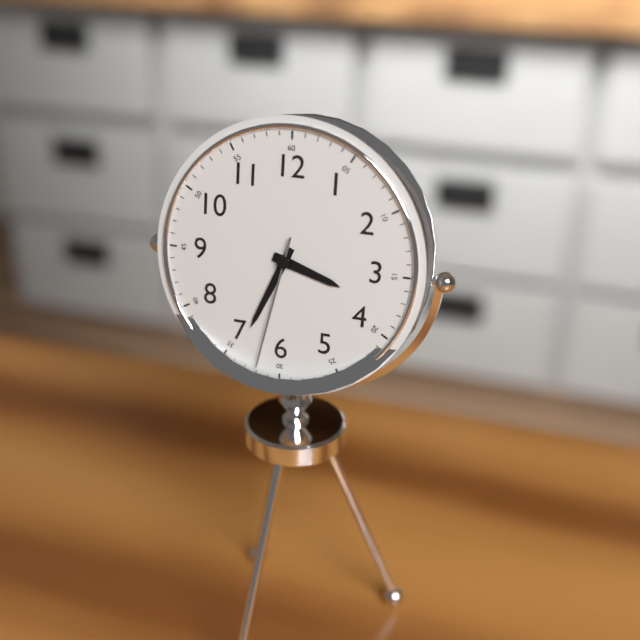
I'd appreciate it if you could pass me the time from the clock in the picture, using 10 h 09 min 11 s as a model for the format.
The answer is 3 h 34 min 32 s
